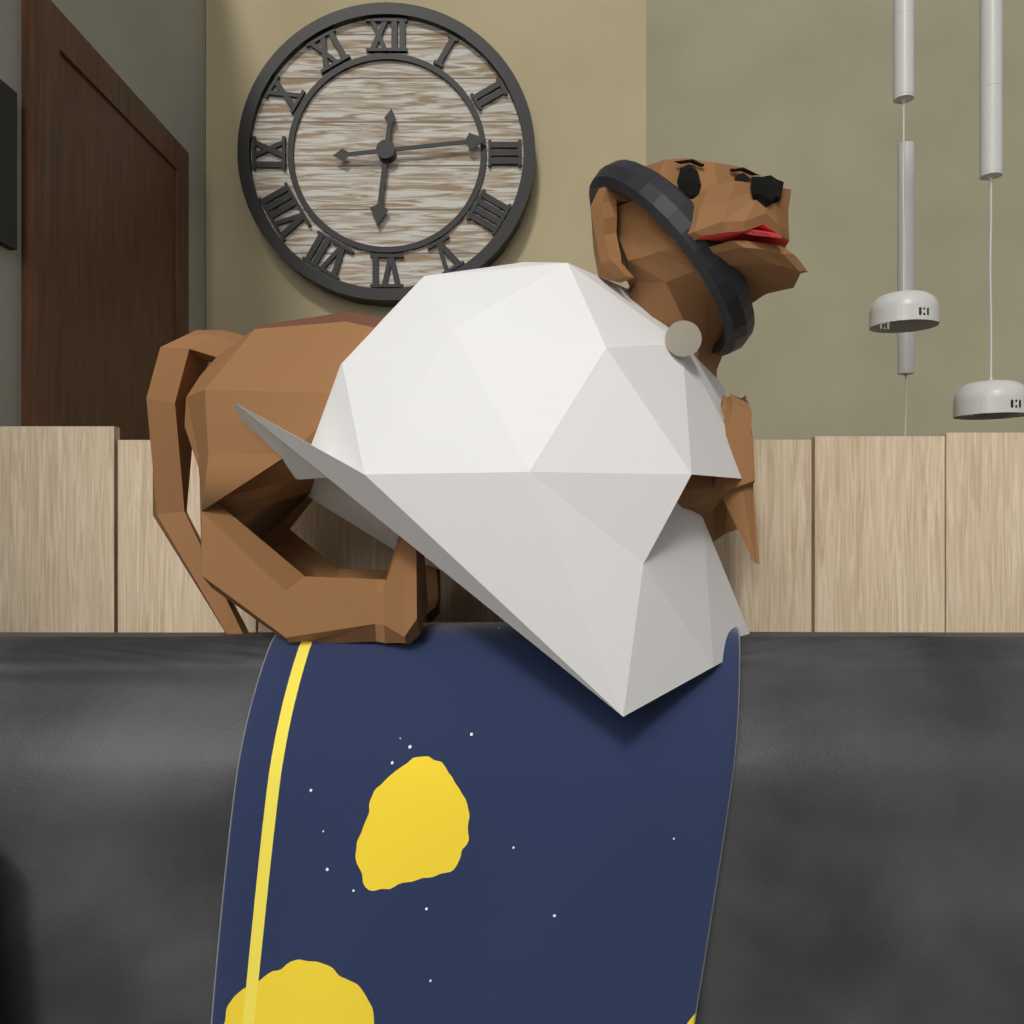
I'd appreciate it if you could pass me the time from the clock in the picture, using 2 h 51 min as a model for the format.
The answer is 6 h 14 min
